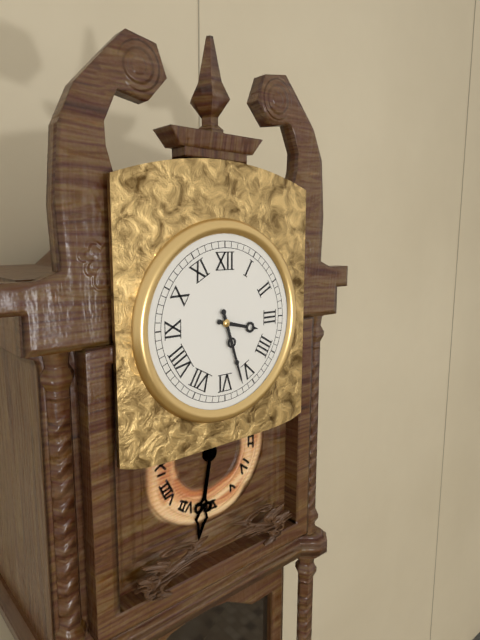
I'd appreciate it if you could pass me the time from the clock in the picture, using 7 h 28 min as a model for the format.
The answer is 3 h 27 min
